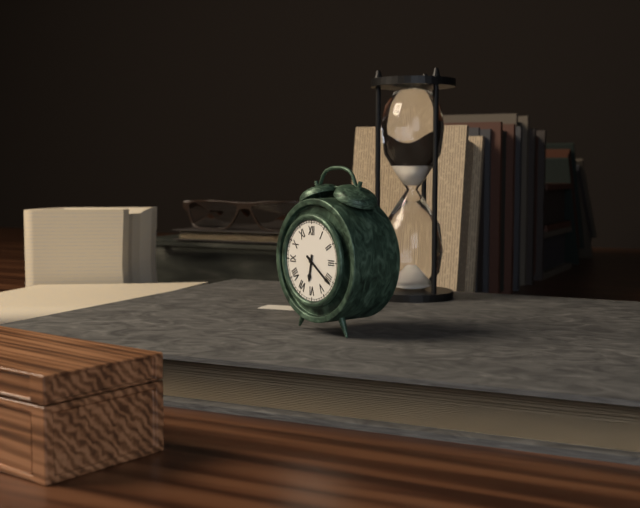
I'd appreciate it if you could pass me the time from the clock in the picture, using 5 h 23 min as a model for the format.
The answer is 6 h 21 min
